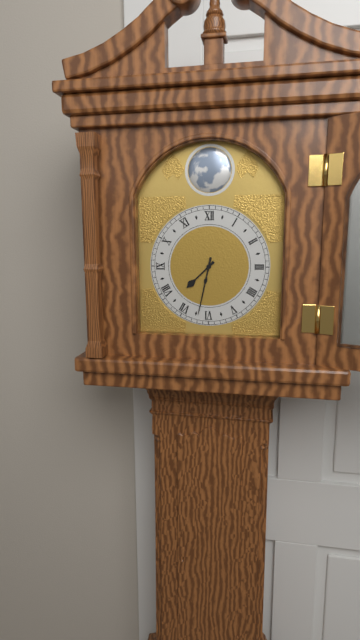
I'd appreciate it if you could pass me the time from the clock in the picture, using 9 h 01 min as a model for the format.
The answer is 7 h 32 min
